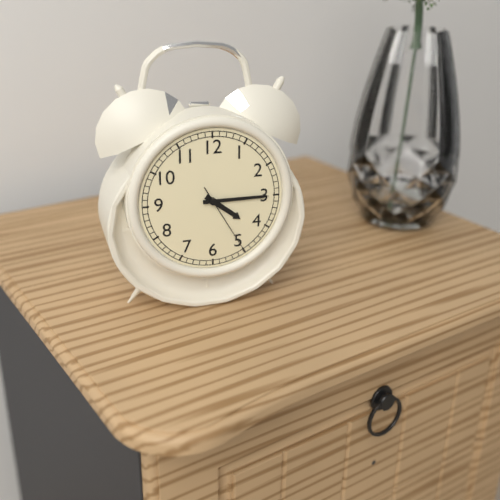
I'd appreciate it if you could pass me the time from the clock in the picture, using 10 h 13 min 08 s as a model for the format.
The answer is 4 h 15 min 25 s
